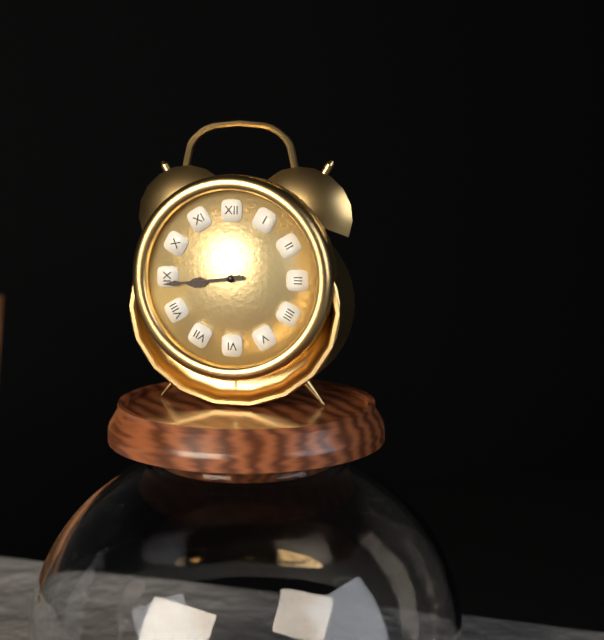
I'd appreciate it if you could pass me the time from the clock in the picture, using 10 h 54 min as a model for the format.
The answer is 8 h 44 min
